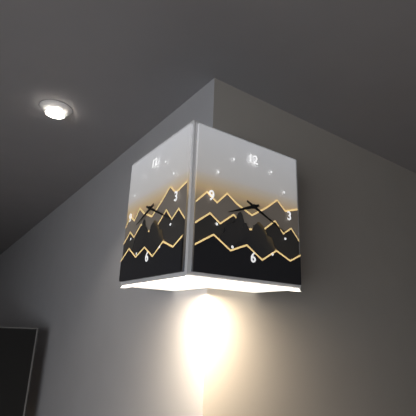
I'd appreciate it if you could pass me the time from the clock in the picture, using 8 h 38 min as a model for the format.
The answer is 8 h 19 min
